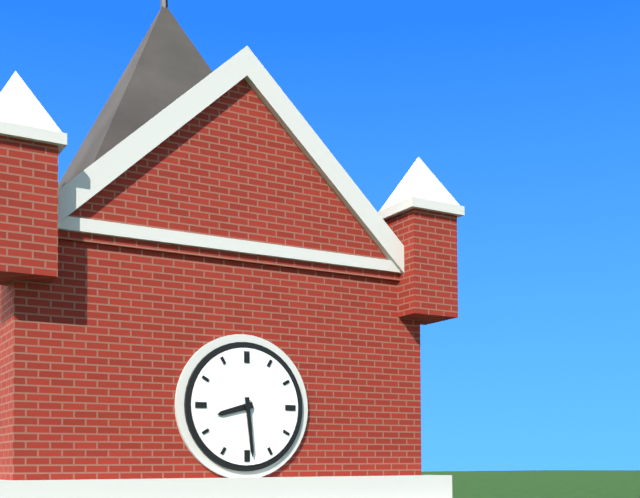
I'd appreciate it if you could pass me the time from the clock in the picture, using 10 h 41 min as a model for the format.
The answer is 8 h 29 min
